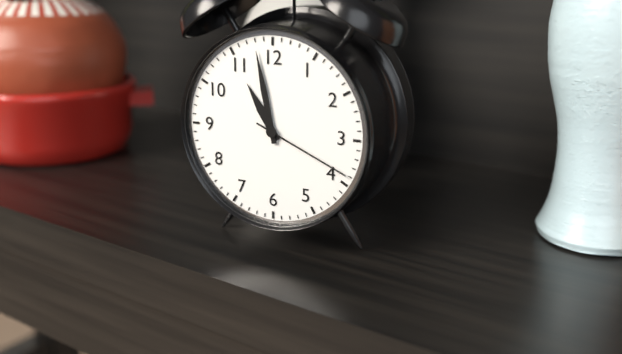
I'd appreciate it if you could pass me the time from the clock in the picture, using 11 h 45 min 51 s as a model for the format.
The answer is 10 h 58 min 19 s
